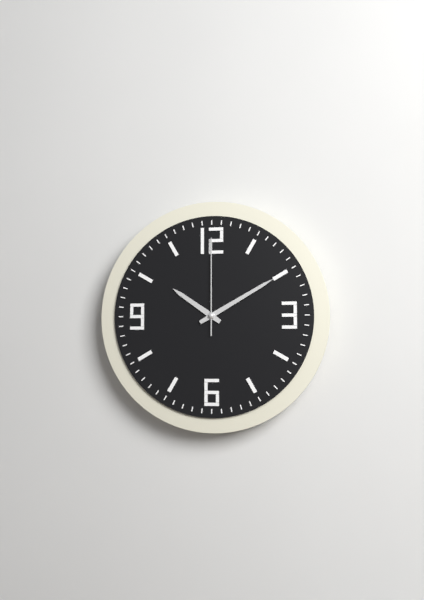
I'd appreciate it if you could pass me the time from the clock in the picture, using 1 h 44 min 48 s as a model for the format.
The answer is 10 h 10 min 00 s
